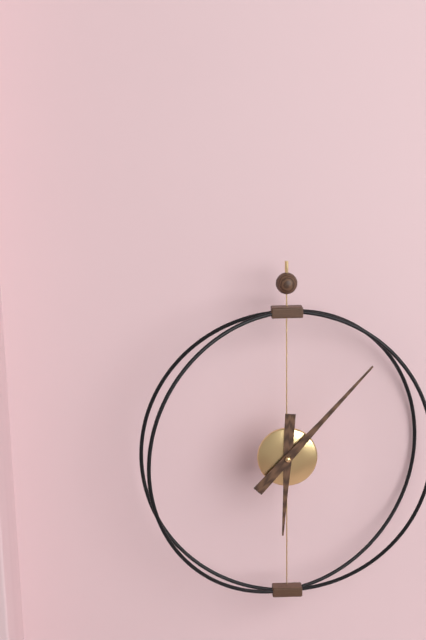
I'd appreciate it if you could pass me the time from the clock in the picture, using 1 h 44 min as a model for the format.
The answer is 6 h 07 min
